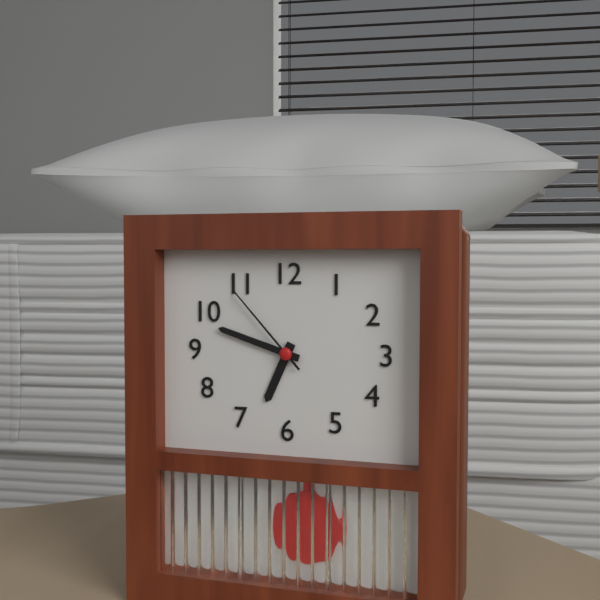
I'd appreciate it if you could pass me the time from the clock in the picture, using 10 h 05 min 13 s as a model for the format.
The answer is 6 h 48 min 53 s
